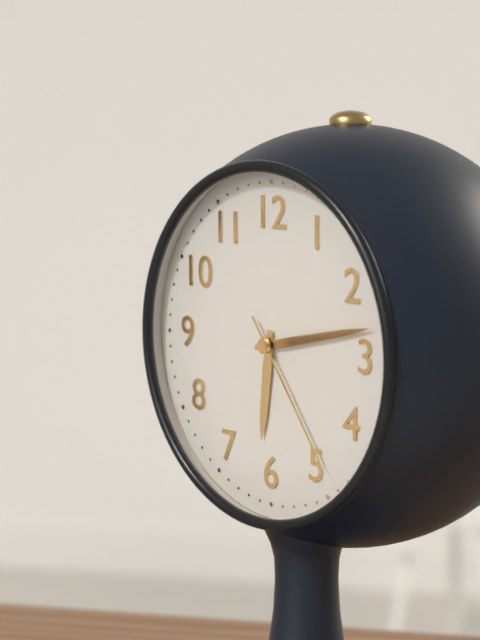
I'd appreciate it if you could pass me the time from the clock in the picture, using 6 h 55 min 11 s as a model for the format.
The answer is 6 h 13 min 24 s
